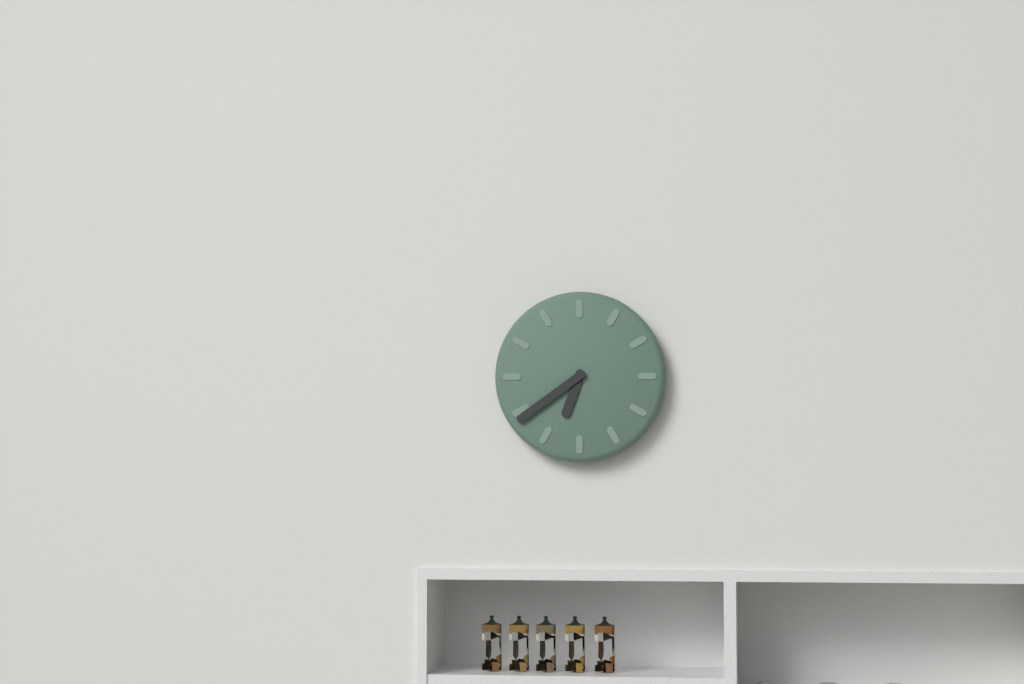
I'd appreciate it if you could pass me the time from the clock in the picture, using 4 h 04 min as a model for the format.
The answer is 6 h 39 min
